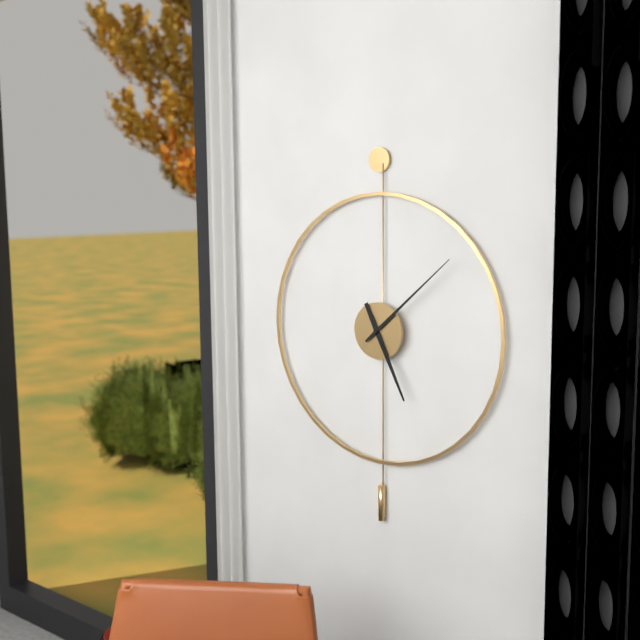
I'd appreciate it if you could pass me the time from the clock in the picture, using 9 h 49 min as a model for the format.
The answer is 5 h 08 min
